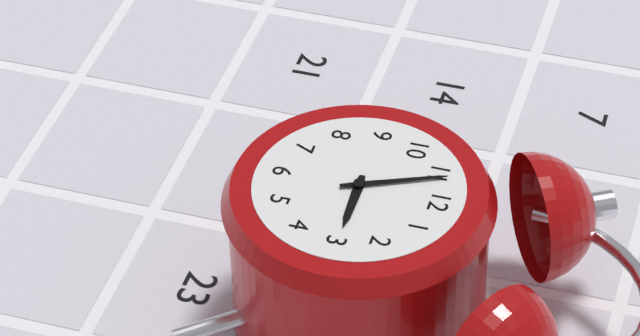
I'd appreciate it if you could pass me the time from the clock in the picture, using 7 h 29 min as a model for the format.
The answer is 2 h 56 min
